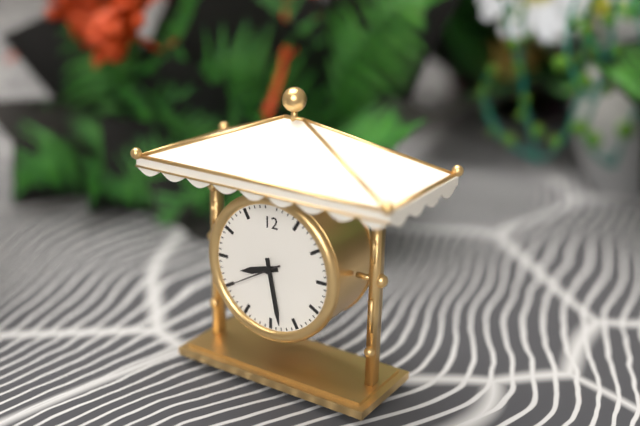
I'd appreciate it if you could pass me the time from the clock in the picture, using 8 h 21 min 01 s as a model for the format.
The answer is 8 h 28 min 40 s
